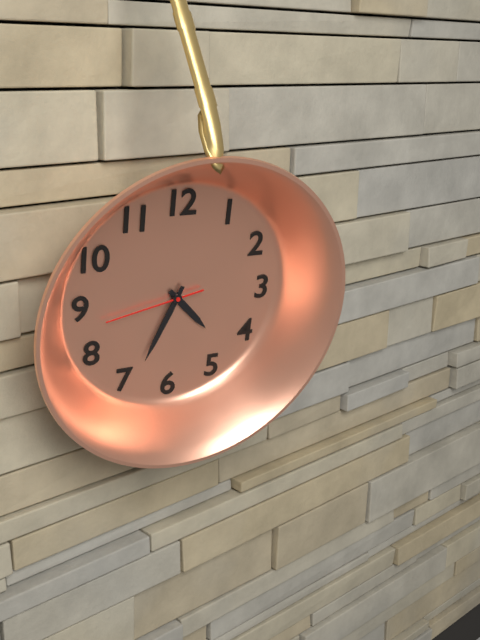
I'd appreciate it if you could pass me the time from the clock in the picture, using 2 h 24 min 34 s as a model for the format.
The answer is 4 h 34 min 43 s
